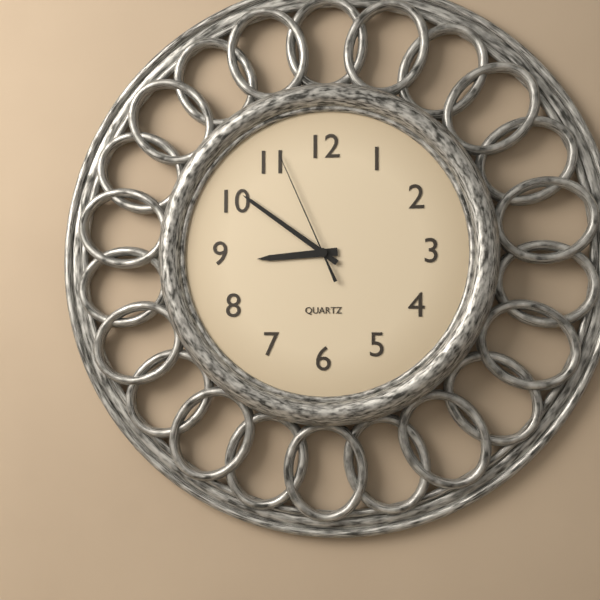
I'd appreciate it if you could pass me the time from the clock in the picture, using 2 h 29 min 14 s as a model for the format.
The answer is 8 h 51 min 56 s
